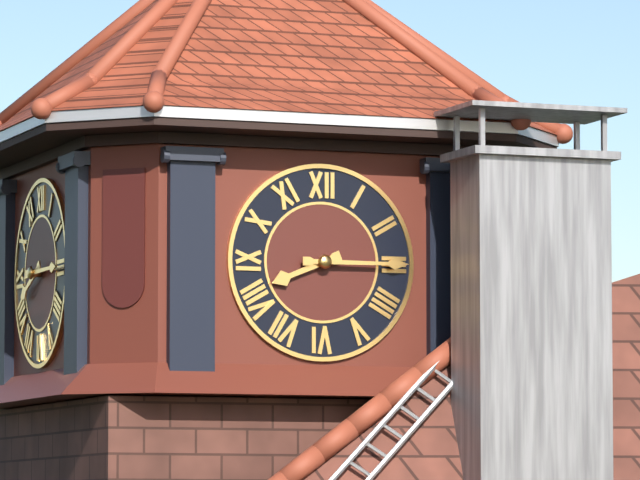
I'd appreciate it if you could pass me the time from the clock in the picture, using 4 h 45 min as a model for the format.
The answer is 8 h 15 min
